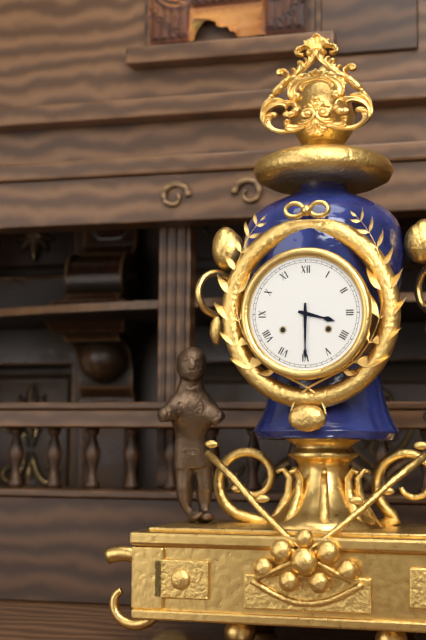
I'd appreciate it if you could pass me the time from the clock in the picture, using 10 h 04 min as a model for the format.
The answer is 3 h 30 min
